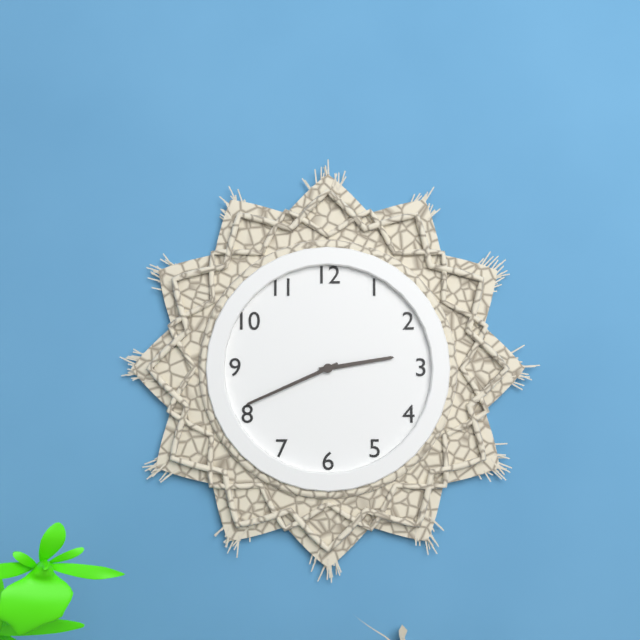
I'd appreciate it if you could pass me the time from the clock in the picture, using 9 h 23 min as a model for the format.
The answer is 2 h 41 min
